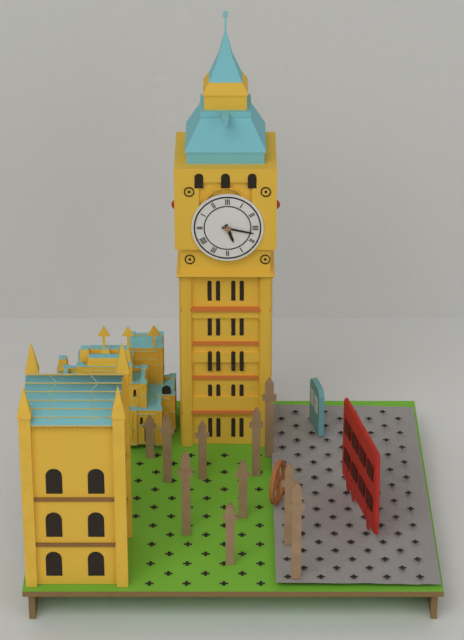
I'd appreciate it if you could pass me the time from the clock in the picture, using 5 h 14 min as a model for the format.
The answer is 5 h 17 min
